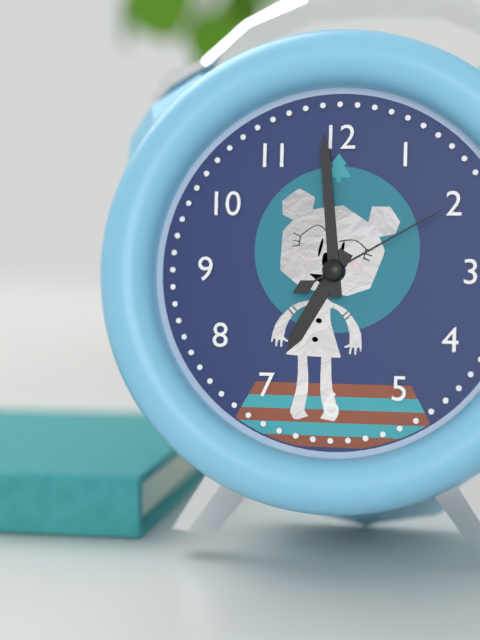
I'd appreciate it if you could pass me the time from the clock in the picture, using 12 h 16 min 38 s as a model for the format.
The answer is 6 h 59 min 10 s
